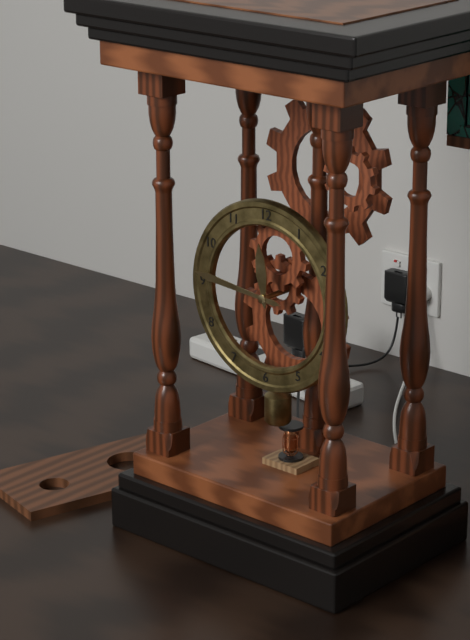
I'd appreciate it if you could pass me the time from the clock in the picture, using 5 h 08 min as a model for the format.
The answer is 11 h 46 min
